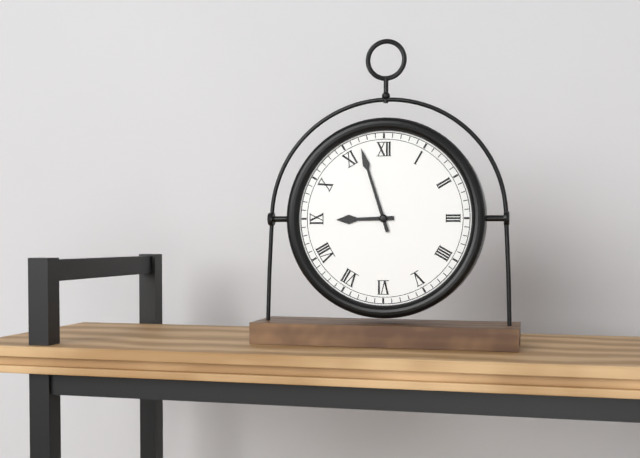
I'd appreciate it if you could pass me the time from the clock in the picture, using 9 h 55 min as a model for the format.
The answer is 8 h 57 min
